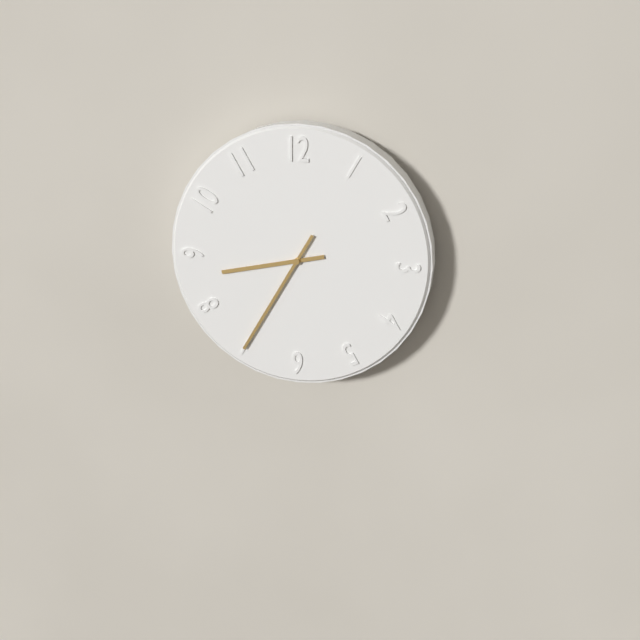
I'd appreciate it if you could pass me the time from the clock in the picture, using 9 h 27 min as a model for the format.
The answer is 8 h 35 min
